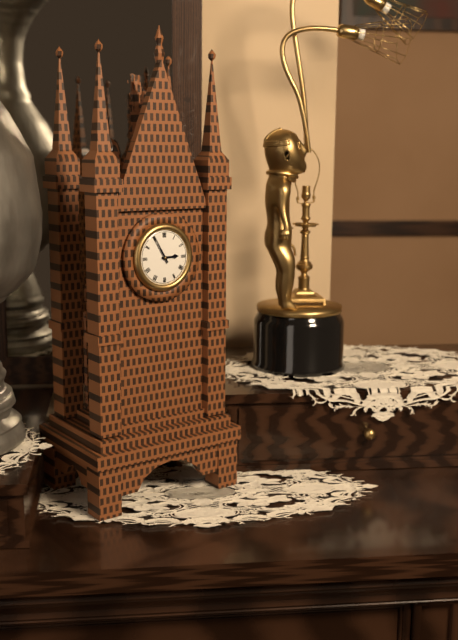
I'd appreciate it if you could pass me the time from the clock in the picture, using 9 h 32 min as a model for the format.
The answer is 2 h 55 min
